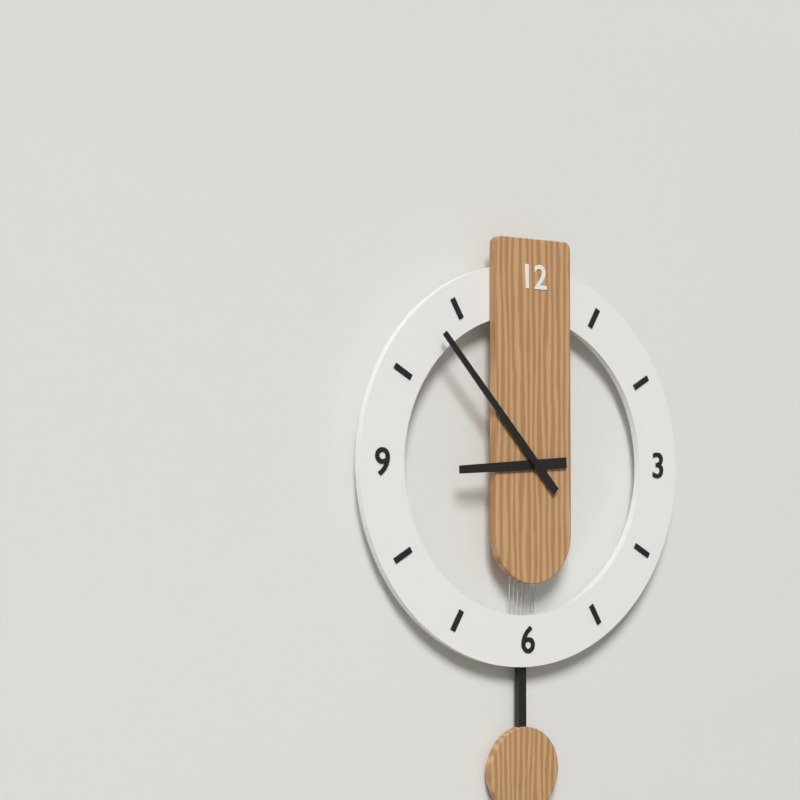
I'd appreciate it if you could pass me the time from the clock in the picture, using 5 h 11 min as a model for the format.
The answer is 8 h 53 min
